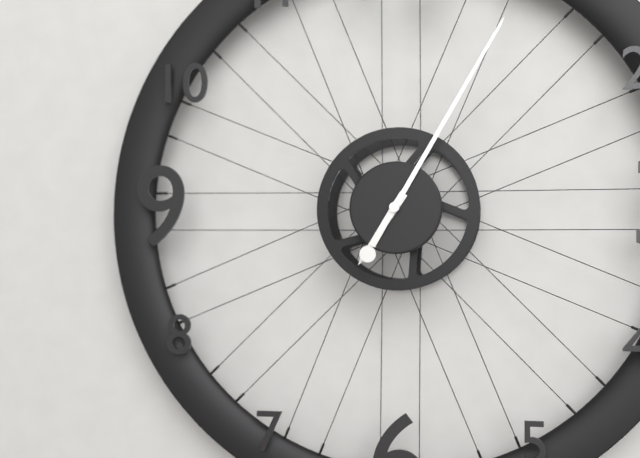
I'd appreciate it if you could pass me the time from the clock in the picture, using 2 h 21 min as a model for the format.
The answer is 7 h 05 min
